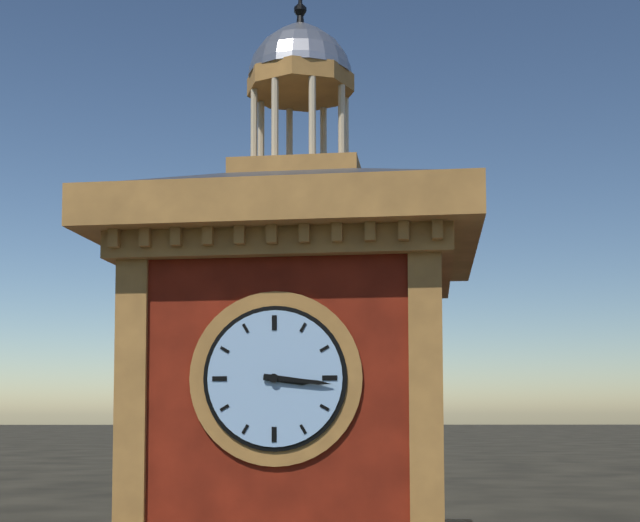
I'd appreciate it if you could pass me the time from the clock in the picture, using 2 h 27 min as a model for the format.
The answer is 3 h 16 min
